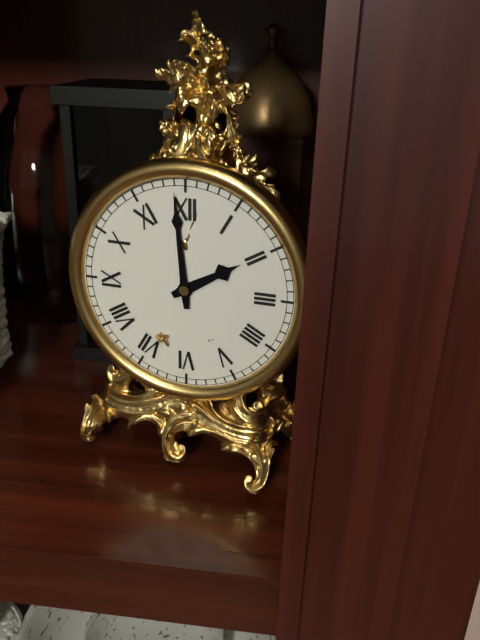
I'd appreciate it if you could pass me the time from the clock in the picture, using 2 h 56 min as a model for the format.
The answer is 1 h 59 min
